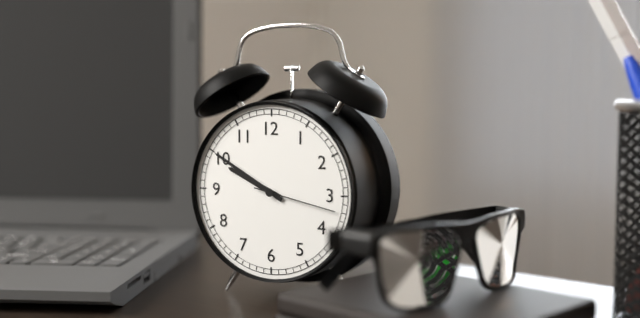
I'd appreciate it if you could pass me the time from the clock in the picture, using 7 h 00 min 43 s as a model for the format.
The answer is 9 h 50 min 17 s
